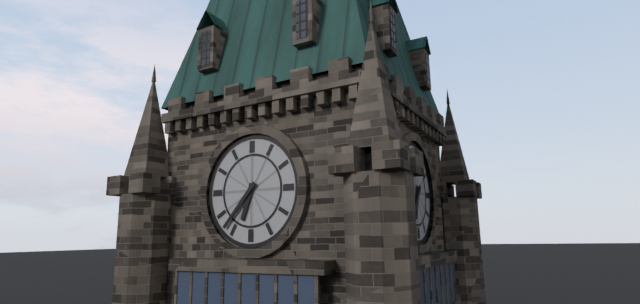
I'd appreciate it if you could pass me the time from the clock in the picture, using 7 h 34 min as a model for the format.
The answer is 6 h 37 min
